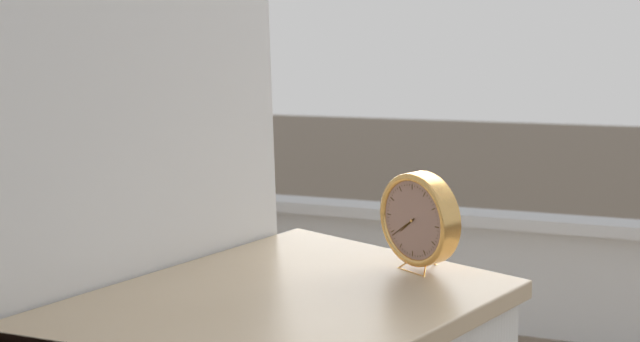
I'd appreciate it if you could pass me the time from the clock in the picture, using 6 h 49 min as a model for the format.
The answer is 7 h 39 min
